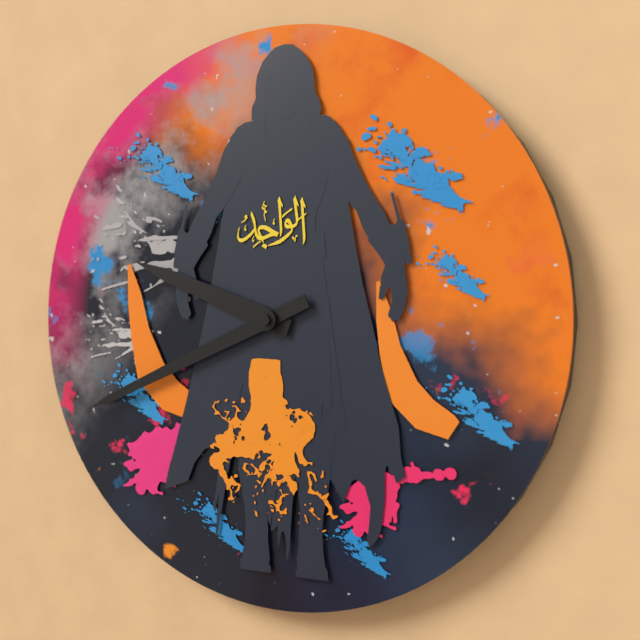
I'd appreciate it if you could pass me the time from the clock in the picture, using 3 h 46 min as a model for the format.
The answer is 9 h 41 min
